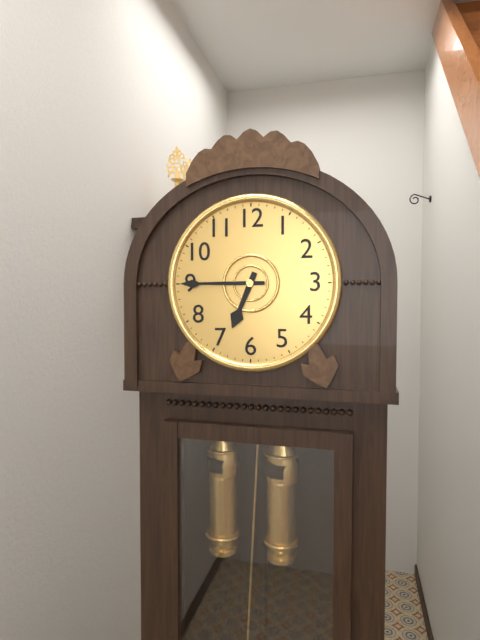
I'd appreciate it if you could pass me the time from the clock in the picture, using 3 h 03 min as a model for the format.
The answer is 6 h 45 min
